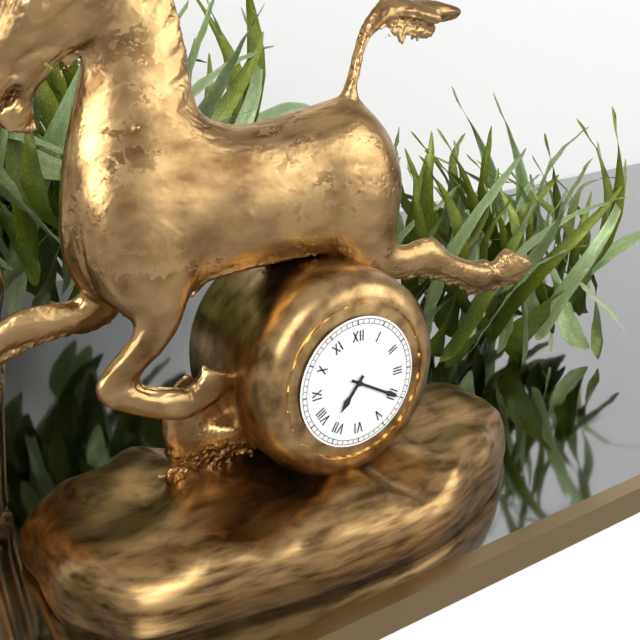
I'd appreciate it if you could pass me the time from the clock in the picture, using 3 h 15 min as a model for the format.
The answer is 7 h 20 min
